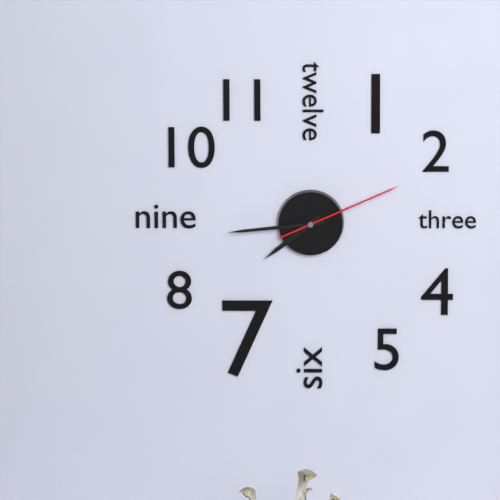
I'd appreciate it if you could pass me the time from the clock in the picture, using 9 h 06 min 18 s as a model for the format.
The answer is 7 h 44 min 11 s
